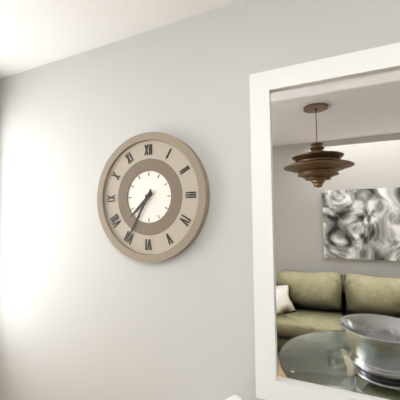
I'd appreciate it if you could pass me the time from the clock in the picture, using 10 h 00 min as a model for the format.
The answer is 7 h 35 min
